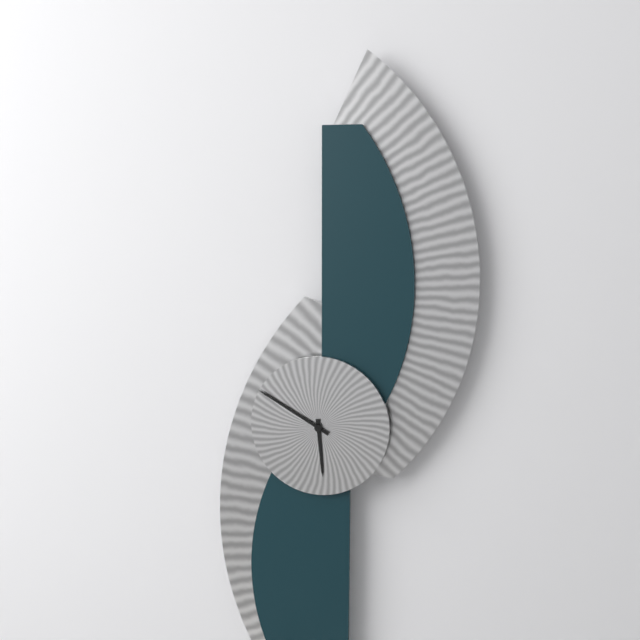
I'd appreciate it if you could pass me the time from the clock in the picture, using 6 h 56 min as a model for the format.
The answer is 5 h 50 min
